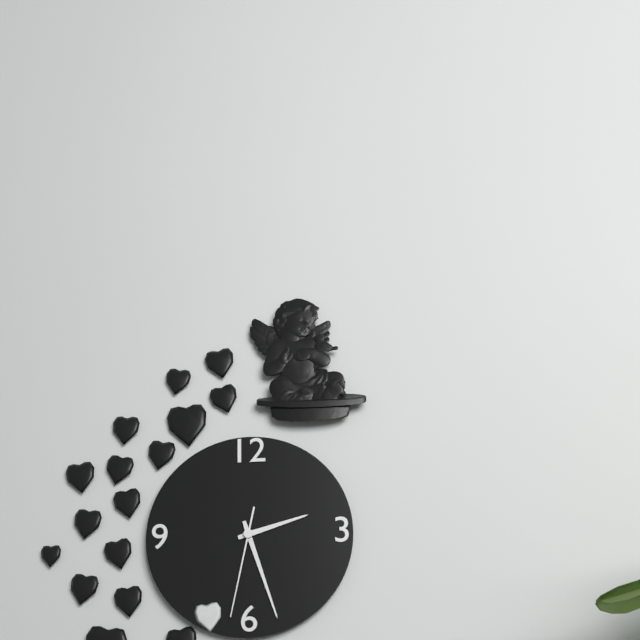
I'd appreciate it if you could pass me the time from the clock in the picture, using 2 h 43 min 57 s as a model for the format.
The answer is 2 h 27 min 32 s
